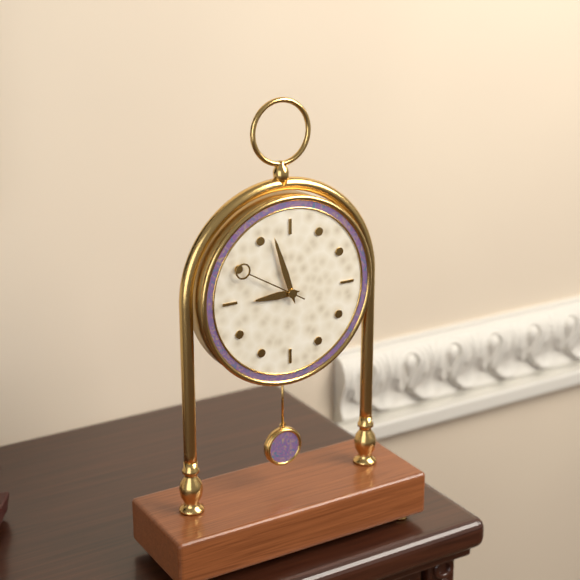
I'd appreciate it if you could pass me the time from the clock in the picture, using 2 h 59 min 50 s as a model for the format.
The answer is 8 h 57 min 50 s
